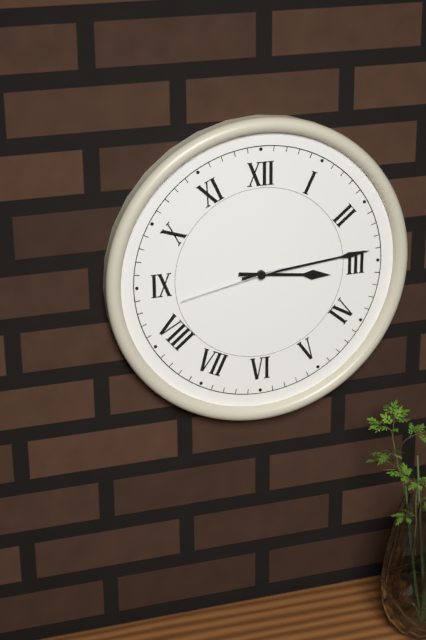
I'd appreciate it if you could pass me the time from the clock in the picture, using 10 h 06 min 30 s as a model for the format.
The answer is 3 h 14 min 43 s
